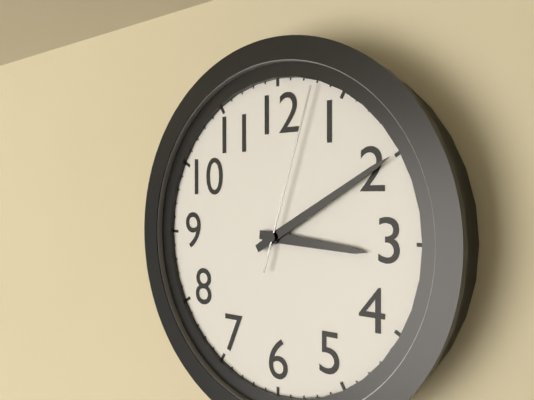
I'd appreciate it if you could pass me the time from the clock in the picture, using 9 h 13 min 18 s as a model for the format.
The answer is 3 h 10 min 03 s
